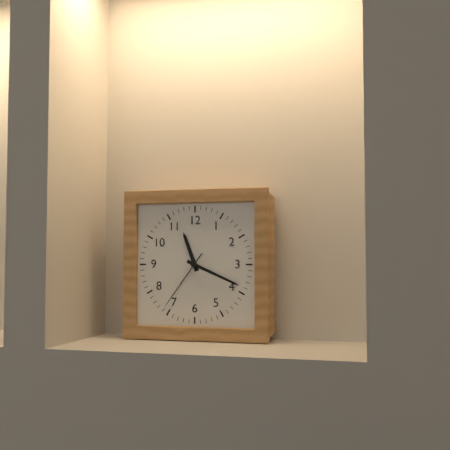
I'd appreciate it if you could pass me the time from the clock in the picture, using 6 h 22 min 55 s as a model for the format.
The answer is 11 h 19 min 36 s
